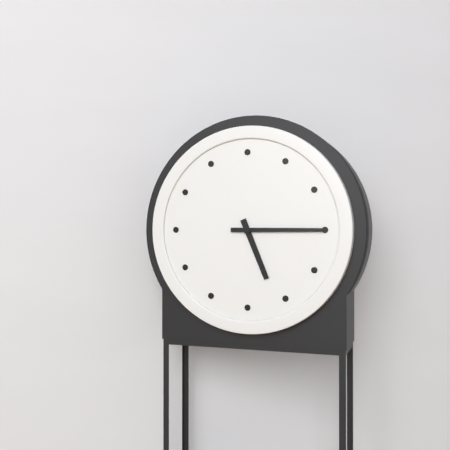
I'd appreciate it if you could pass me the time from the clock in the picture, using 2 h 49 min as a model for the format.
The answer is 5 h 15 min
